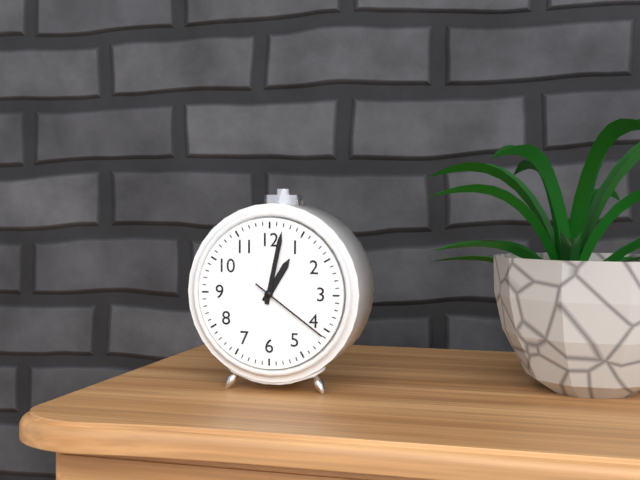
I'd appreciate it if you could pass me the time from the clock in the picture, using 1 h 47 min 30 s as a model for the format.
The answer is 1 h 02 min 21 s
